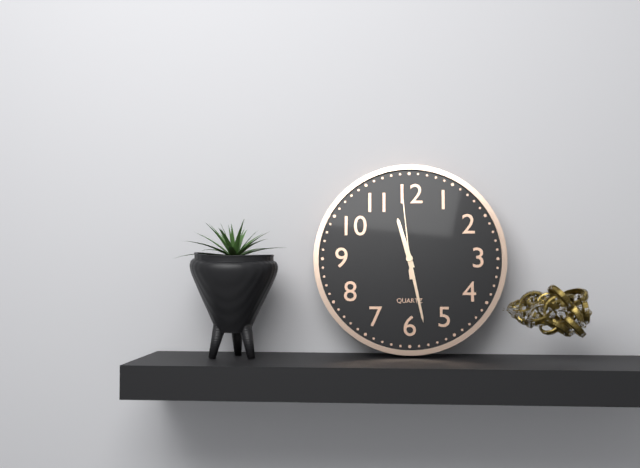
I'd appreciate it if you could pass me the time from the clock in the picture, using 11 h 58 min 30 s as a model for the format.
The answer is 11 h 28 min 59 s
